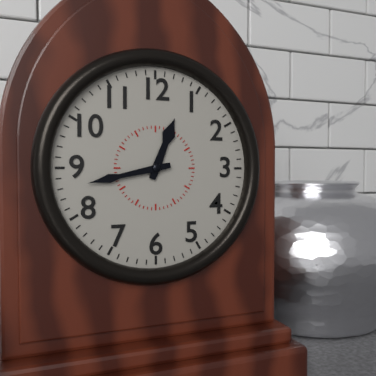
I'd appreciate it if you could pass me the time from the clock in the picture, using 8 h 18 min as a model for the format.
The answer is 12 h 43 min
